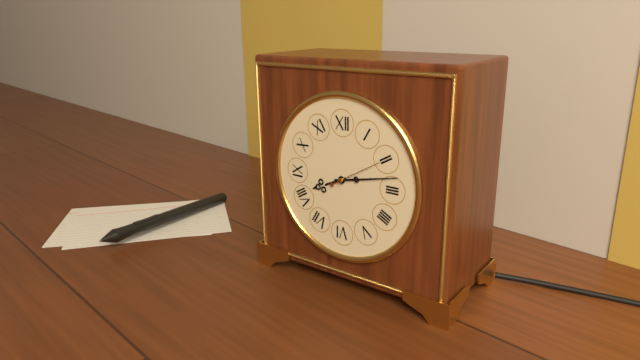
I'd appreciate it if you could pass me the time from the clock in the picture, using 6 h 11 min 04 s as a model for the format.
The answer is 8 h 13 min 10 s
